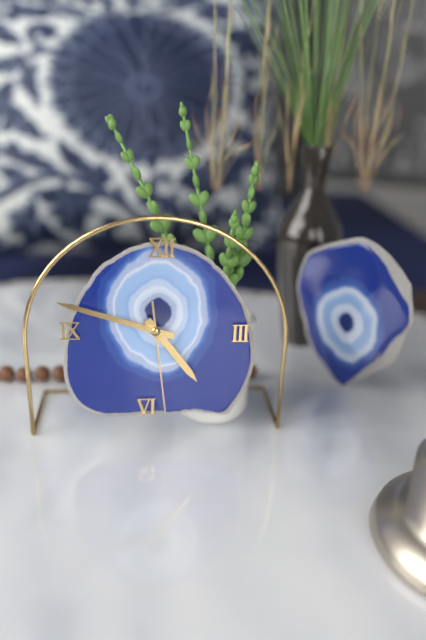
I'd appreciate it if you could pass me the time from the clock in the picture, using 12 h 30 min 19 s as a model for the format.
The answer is 4 h 48 min 29 s
